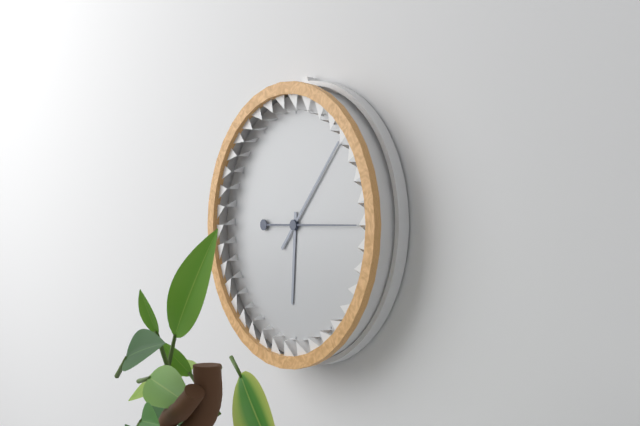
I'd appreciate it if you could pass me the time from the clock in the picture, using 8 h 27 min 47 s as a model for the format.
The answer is 6 h 07 min 15 s
